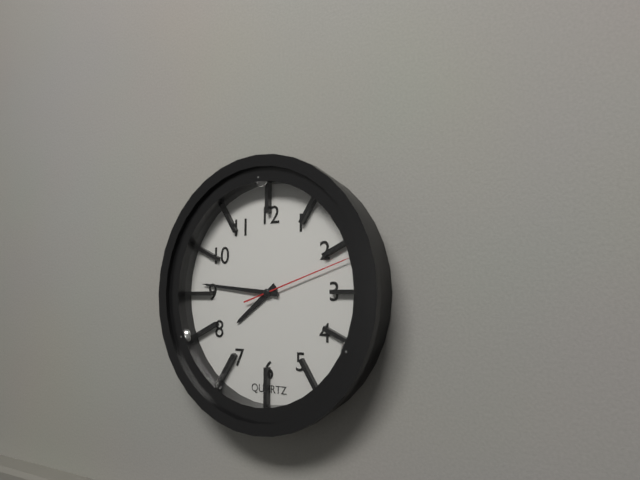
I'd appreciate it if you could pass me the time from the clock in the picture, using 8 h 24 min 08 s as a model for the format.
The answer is 7 h 46 min 12 s
